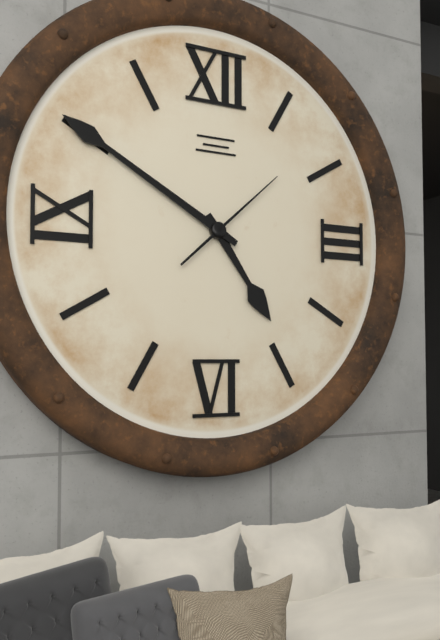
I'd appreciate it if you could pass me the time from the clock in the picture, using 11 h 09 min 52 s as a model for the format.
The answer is 4 h 50 min 08 s
